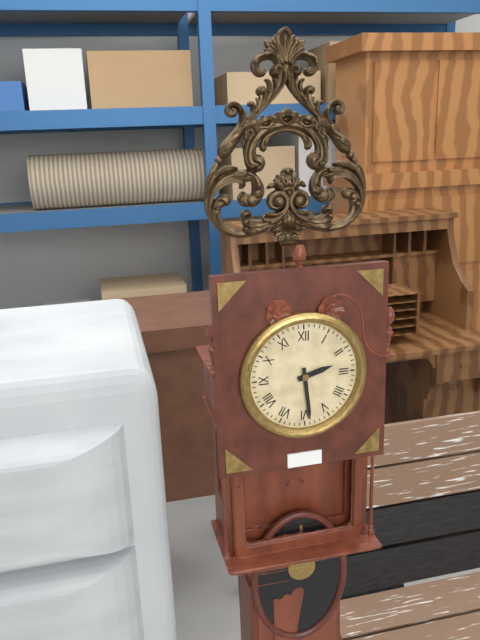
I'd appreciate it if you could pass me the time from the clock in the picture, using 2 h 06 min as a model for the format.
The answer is 2 h 29 min
